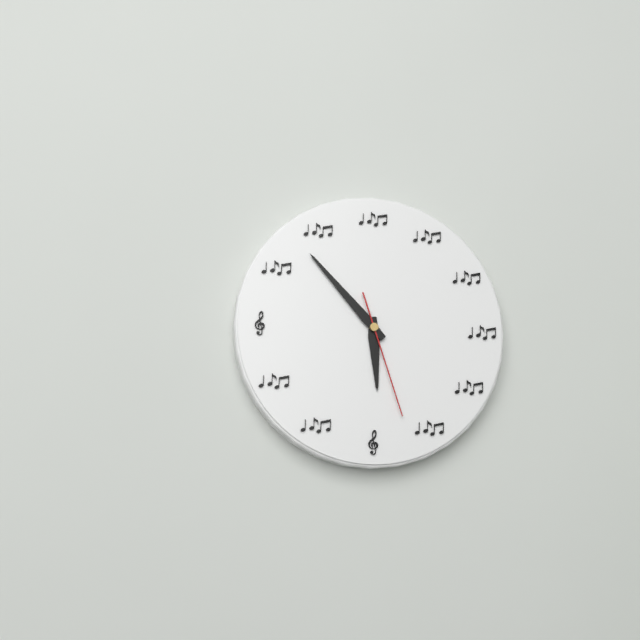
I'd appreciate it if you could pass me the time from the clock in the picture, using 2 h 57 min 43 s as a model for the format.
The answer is 5 h 53 min 27 s
